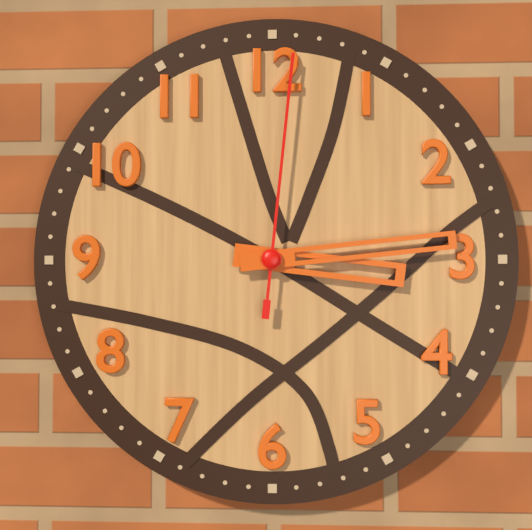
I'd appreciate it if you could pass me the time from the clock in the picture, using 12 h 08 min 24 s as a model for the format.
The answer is 3 h 14 min 01 s
